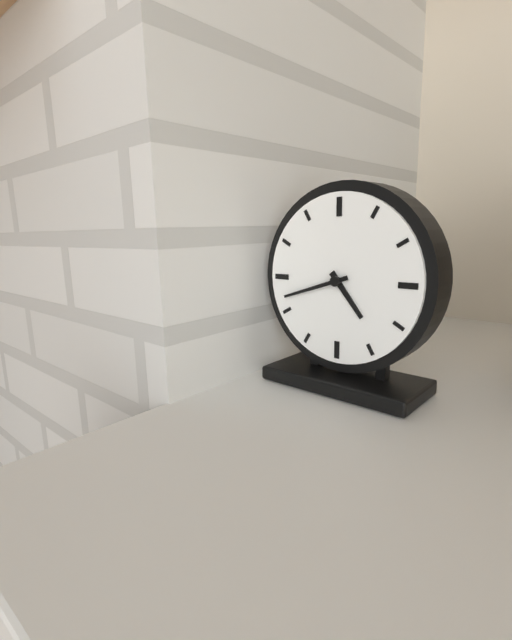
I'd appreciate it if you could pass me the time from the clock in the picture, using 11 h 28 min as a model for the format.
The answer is 4 h 42 min
